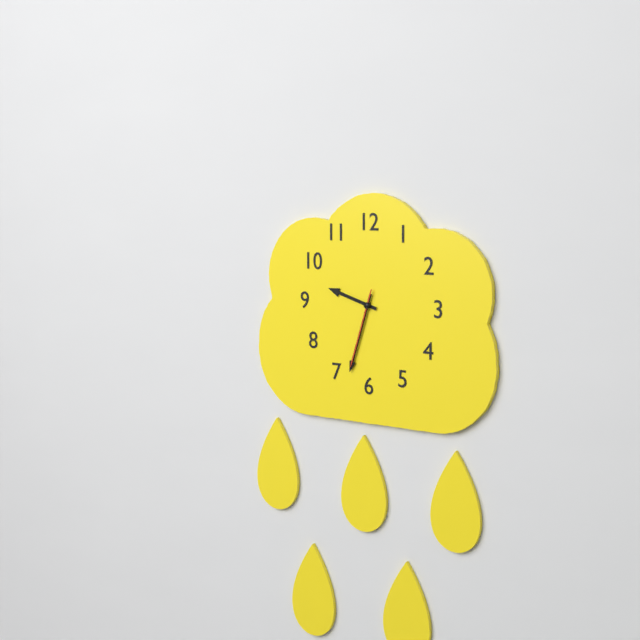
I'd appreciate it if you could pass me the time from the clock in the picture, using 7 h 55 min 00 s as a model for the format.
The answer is 9 h 33 min 33 s
